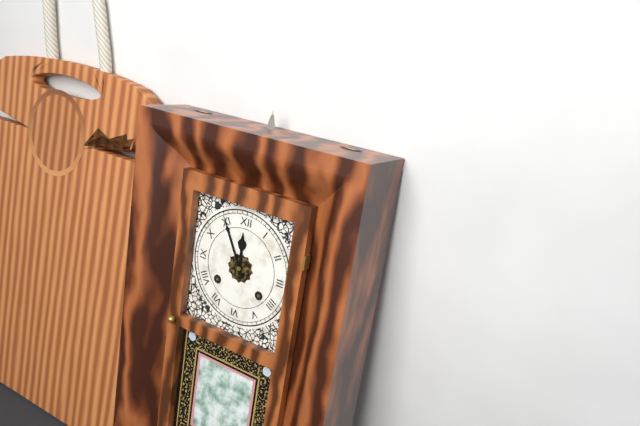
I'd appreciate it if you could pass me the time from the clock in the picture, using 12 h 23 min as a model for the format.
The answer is 11 h 55 min
